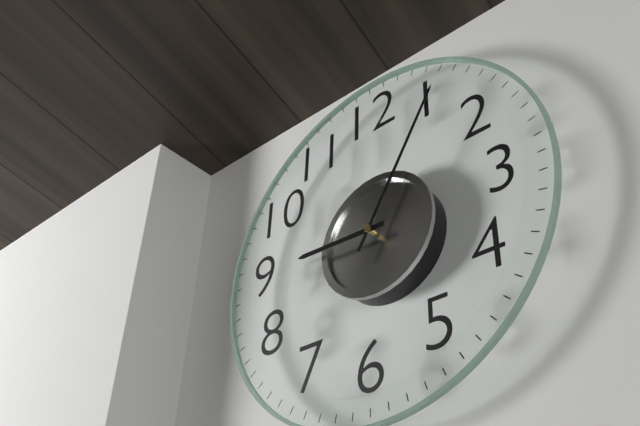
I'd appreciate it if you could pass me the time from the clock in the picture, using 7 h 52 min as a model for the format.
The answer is 9 h 05 min
